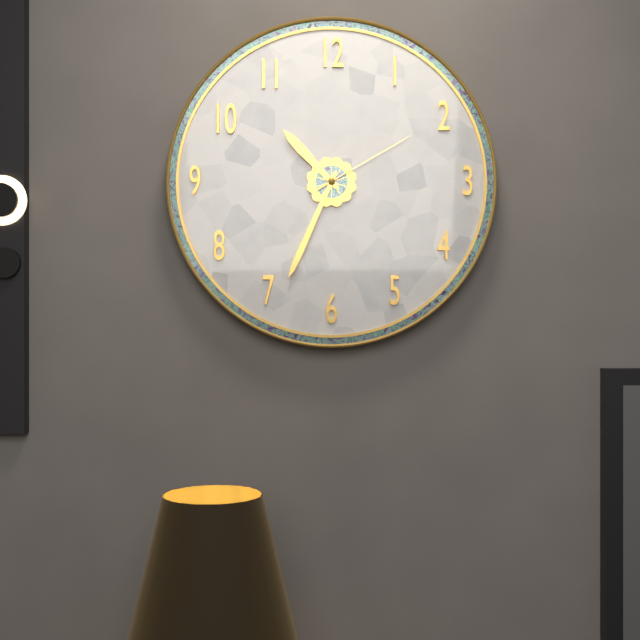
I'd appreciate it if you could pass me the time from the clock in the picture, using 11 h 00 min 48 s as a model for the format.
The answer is 10 h 34 min 10 s
